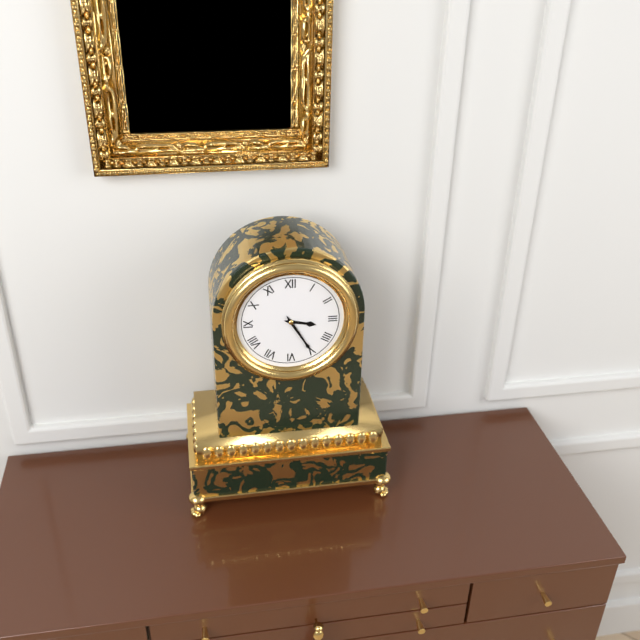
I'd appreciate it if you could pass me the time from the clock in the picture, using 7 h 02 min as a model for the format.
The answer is 3 h 25 min
